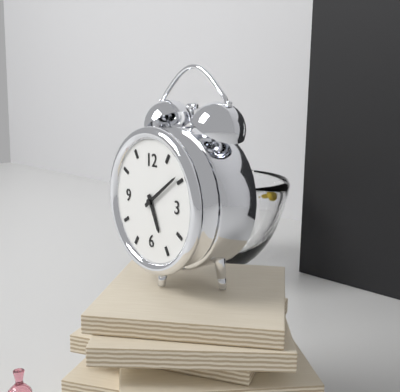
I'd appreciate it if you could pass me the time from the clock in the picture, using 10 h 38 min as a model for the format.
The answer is 5 h 09 min
